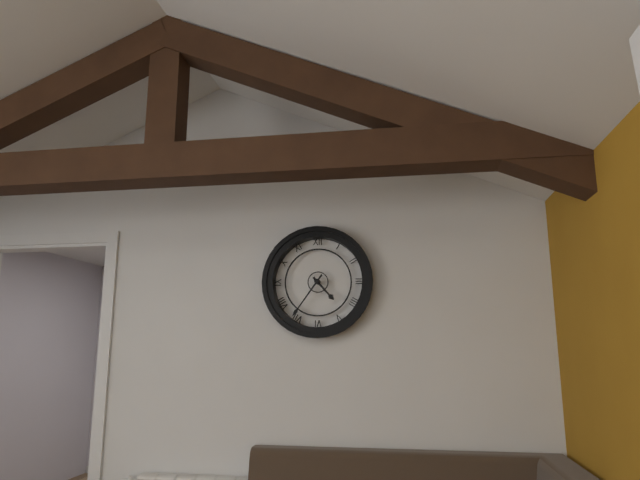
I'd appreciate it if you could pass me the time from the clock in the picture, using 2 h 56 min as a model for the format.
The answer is 4 h 36 min
